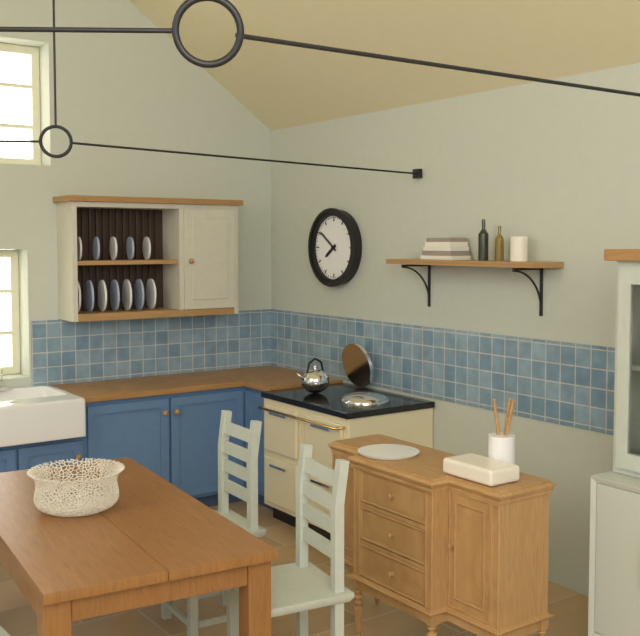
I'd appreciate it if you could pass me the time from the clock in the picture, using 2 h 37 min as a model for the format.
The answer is 7 h 51 min
